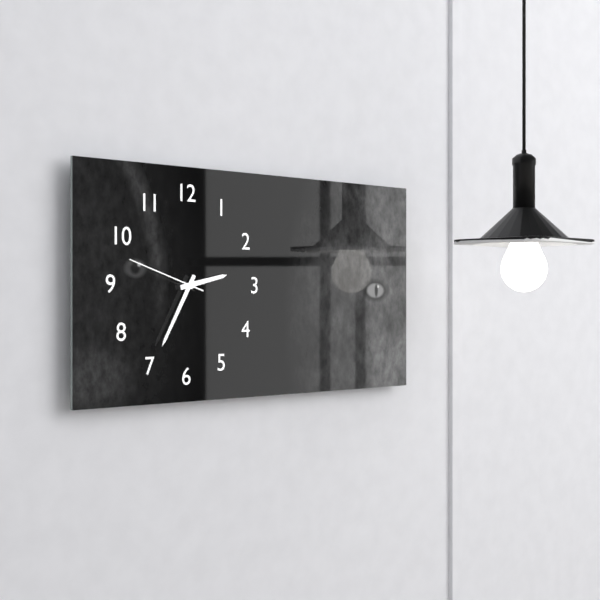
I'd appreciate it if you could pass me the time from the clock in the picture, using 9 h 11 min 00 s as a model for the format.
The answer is 2 h 35 min 48 s
